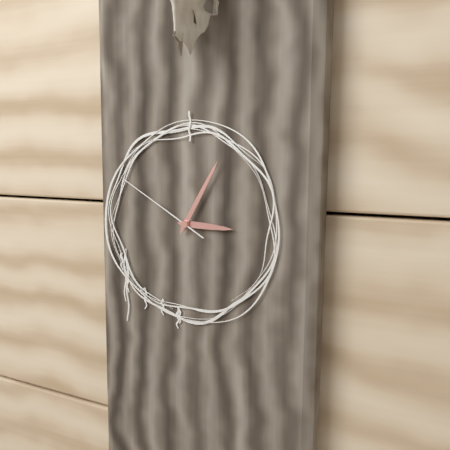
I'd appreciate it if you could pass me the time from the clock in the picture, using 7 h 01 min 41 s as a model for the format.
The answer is 3 h 05 min 50 s
